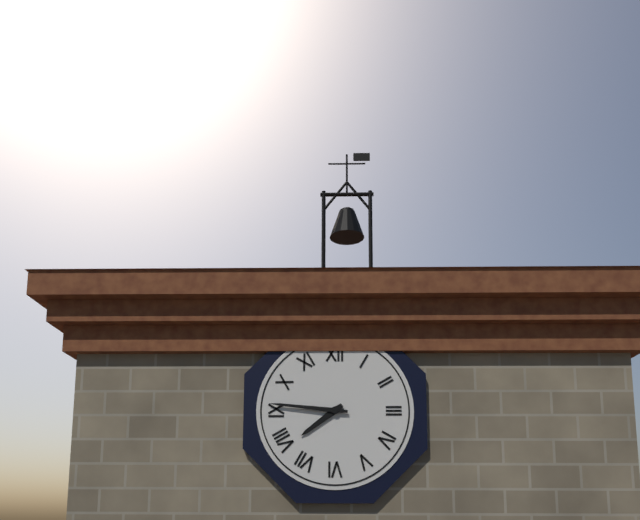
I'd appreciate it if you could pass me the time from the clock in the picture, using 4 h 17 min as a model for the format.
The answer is 7 h 46 min
